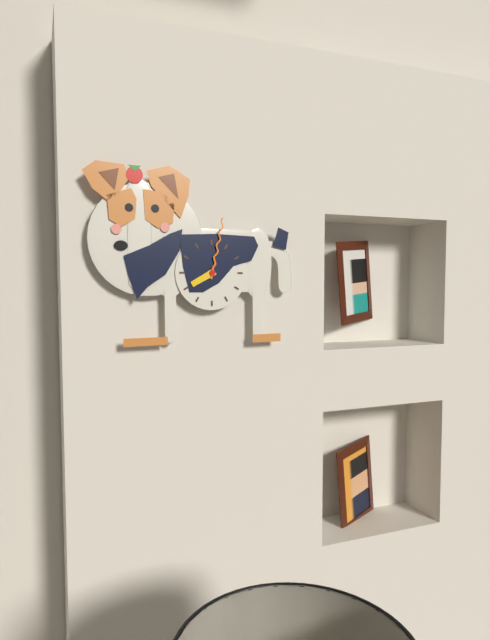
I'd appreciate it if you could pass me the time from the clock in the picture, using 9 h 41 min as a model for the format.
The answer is 8 h 02 min
